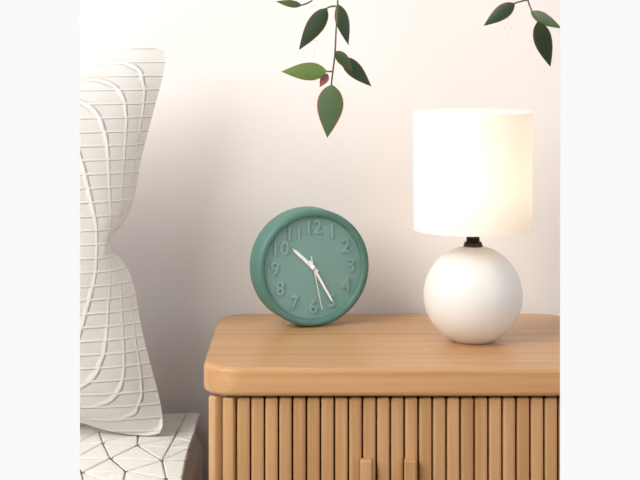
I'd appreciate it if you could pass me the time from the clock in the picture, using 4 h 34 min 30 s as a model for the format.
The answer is 10 h 25 min 28 s
